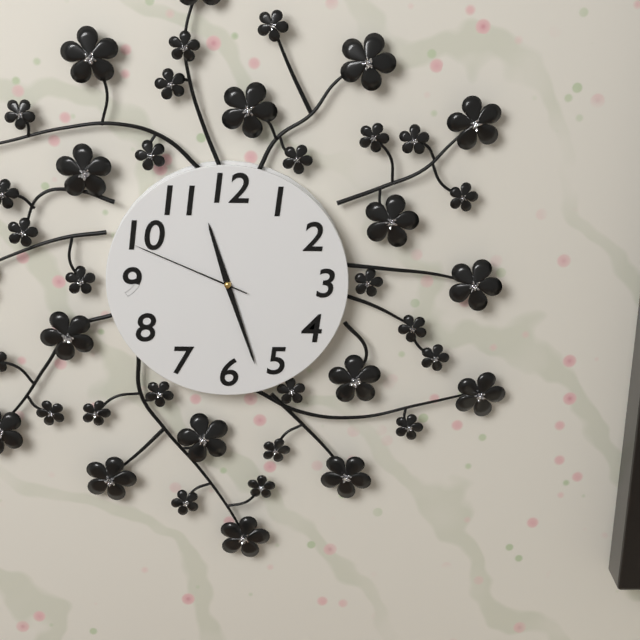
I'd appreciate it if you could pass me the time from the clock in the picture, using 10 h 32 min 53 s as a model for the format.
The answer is 11 h 27 min 49 s
